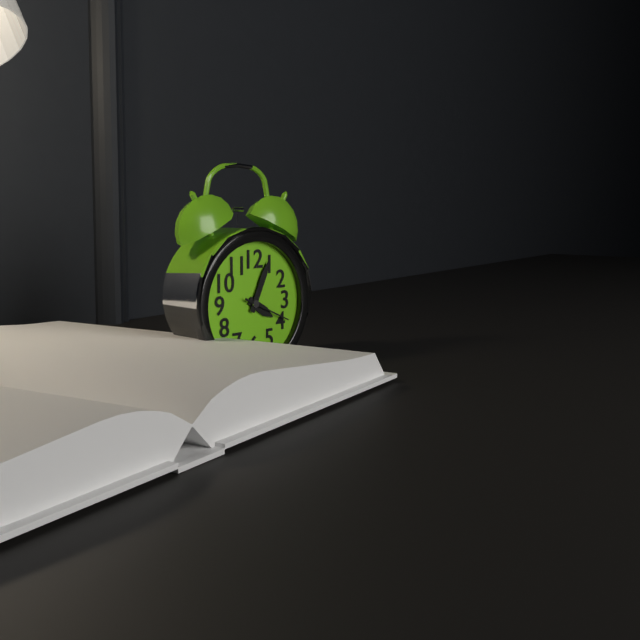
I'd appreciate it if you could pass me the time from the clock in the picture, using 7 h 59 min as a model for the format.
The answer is 4 h 04 min
